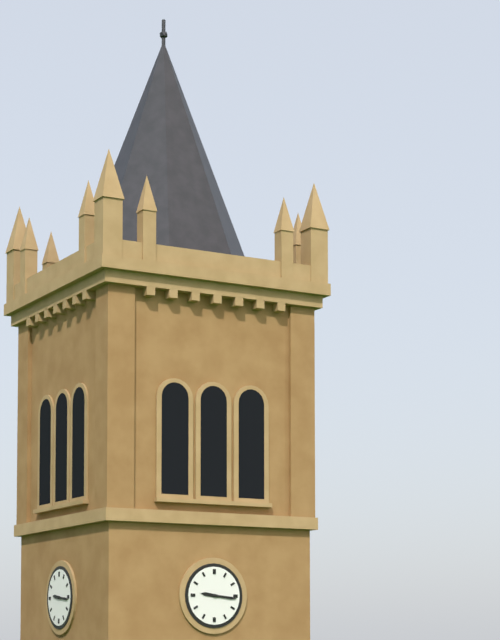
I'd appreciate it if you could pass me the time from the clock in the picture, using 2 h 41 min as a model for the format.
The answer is 9 h 16 min
